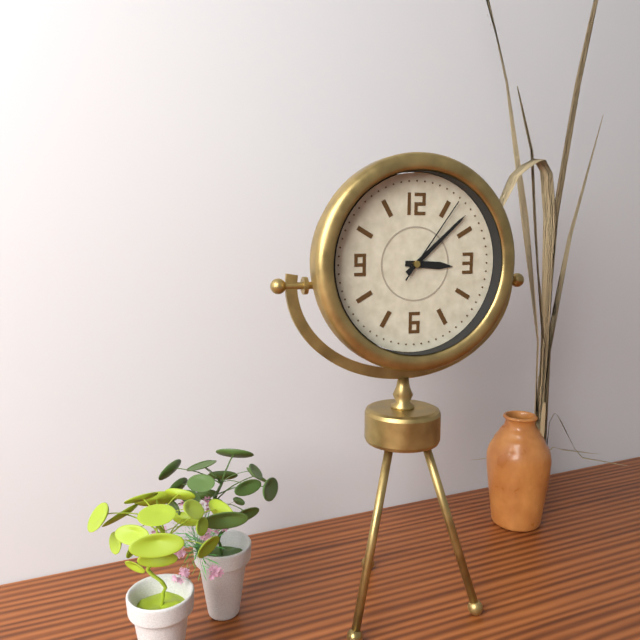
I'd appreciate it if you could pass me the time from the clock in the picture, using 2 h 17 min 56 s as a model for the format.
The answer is 3 h 08 min 06 s
